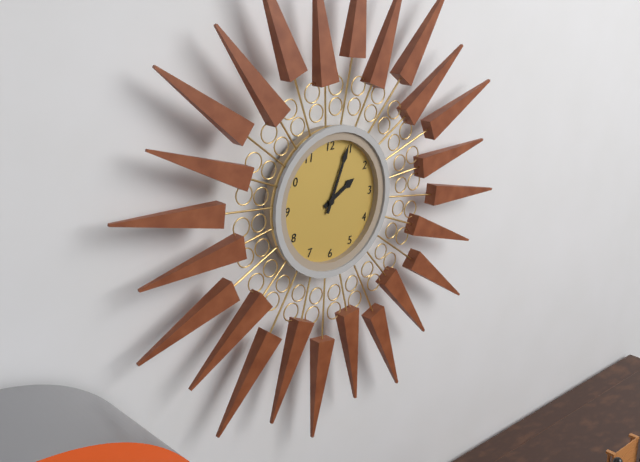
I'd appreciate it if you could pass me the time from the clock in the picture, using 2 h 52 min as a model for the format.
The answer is 2 h 04 min
